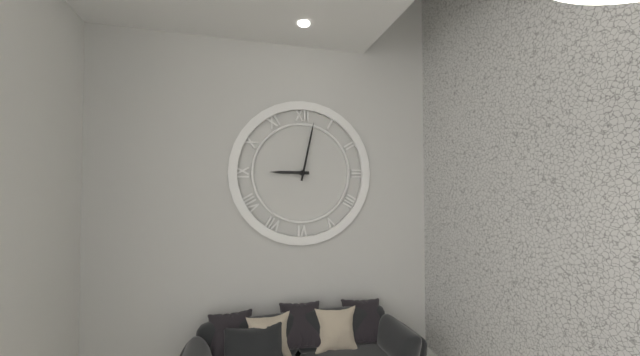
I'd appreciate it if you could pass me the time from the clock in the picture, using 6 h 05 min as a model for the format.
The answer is 9 h 02 min
